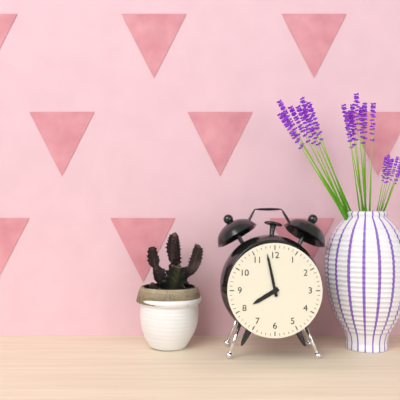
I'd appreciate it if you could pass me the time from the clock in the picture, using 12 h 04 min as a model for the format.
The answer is 7 h 58 min
